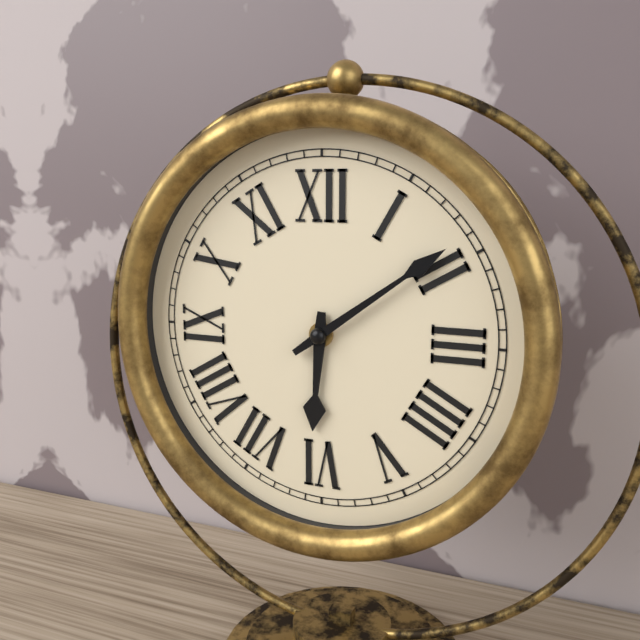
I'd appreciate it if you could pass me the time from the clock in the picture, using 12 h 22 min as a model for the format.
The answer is 6 h 09 min
